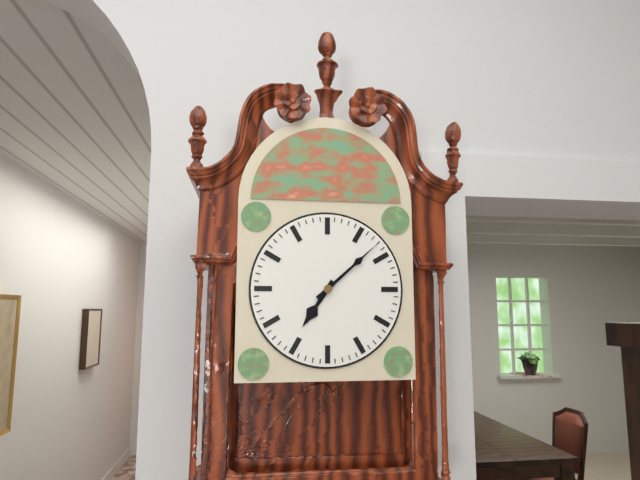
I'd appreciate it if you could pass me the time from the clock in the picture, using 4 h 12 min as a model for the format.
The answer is 7 h 08 min
